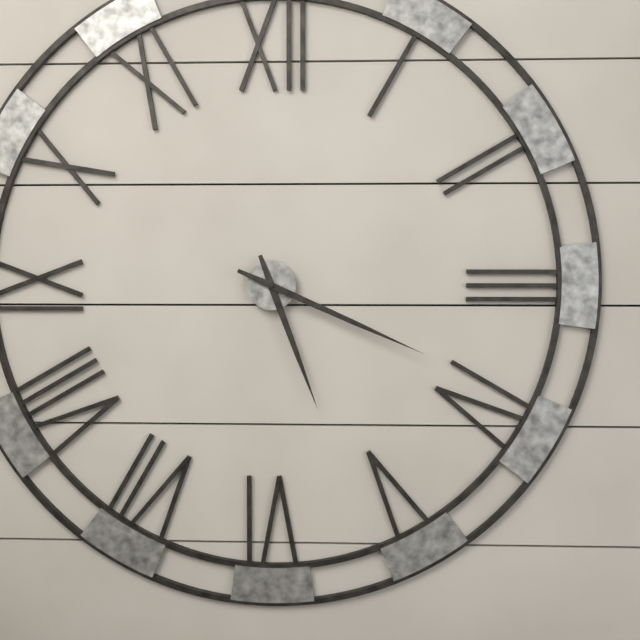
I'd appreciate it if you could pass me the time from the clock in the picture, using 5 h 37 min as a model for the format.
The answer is 5 h 19 min
